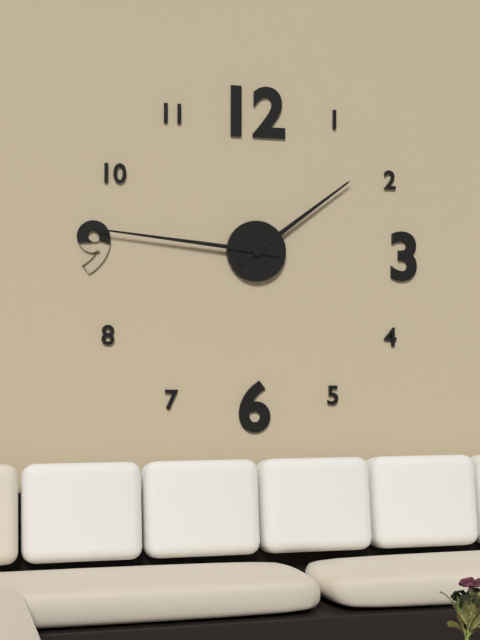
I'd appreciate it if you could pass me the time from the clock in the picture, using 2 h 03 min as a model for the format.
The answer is 1 h 46 min
